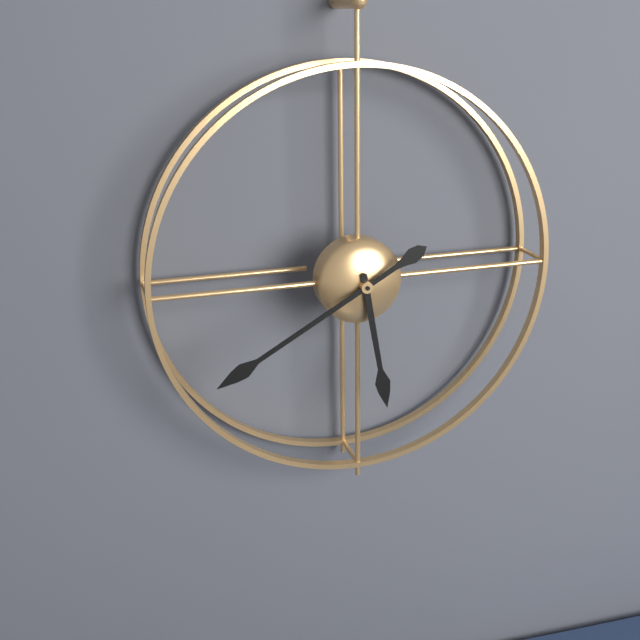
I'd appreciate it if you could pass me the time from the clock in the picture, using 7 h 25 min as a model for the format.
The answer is 5 h 40 min
